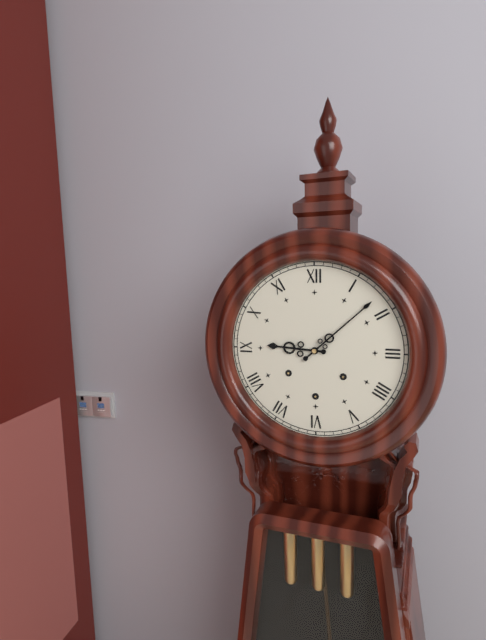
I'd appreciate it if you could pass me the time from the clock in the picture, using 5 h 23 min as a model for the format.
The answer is 9 h 08 min
